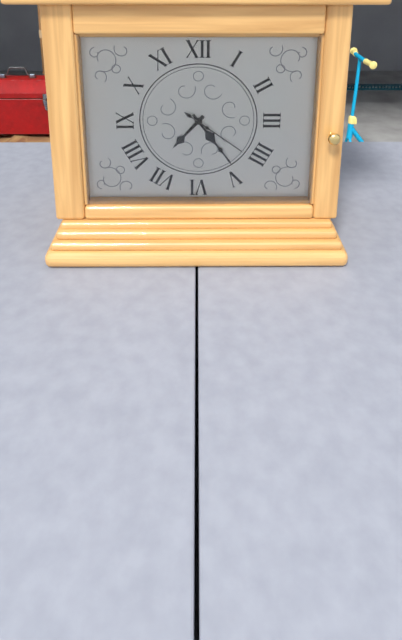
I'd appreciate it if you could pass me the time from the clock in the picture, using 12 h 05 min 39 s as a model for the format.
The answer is 7 h 24 min 21 s
